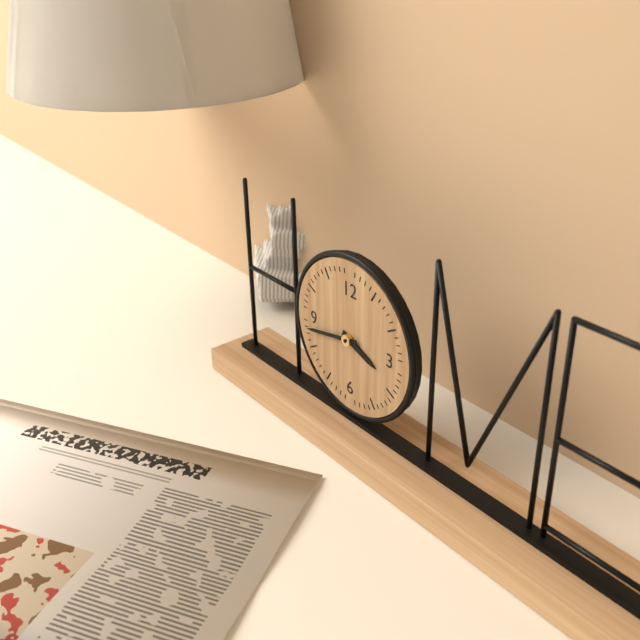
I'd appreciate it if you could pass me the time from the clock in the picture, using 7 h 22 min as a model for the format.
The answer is 3 h 43 min
